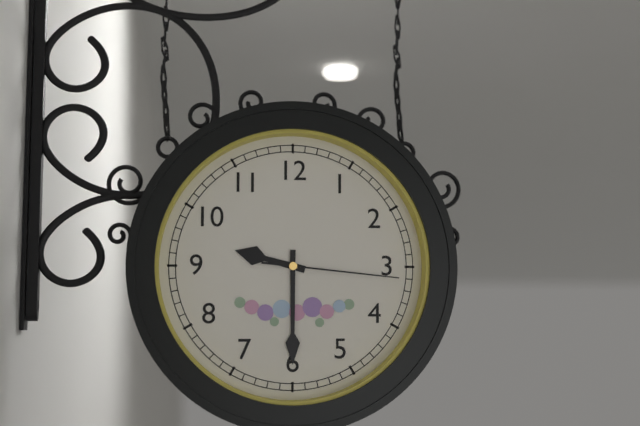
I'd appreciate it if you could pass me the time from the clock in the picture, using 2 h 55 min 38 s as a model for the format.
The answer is 9 h 30 min 16 s
